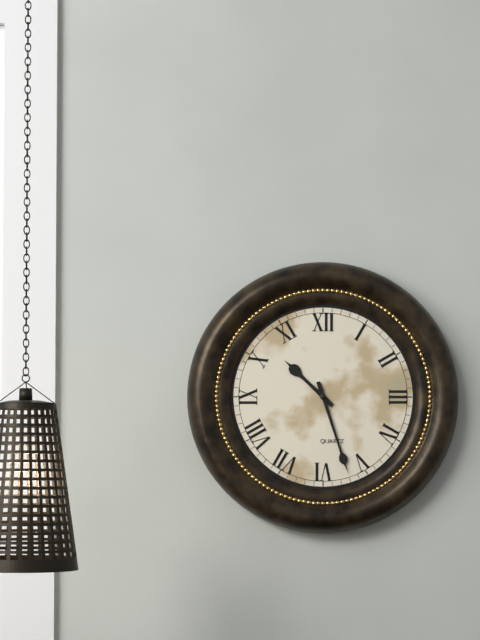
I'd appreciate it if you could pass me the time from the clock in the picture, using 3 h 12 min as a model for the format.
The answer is 10 h 27 min
